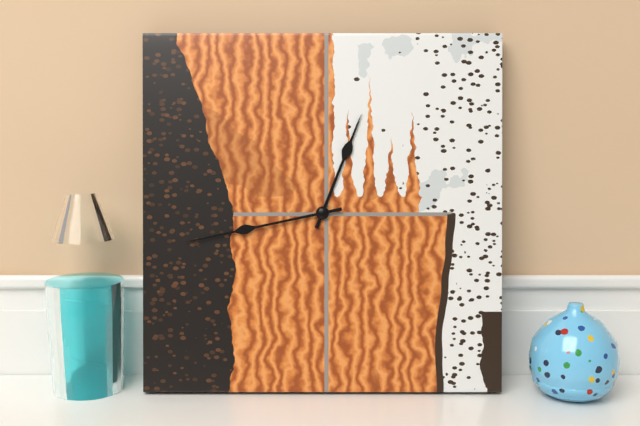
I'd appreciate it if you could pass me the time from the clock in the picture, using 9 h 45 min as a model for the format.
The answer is 12 h 43 min
